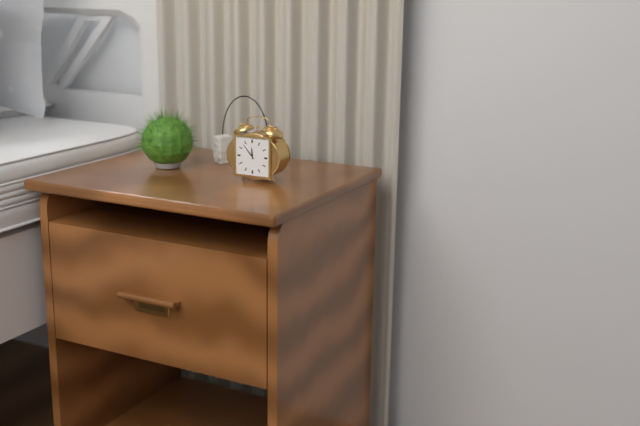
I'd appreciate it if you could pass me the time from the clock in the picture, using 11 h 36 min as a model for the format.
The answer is 11 h 53 min
